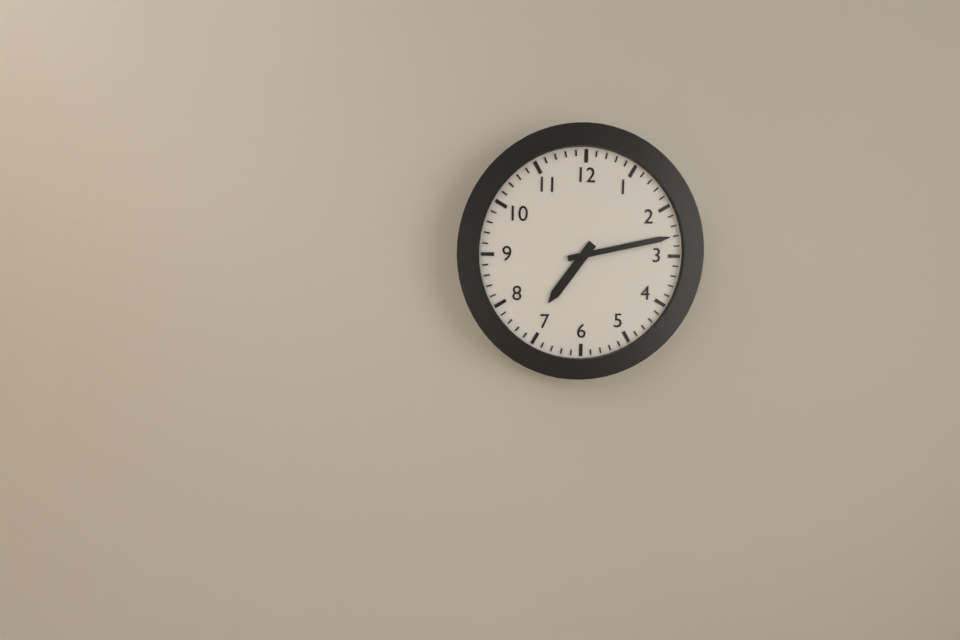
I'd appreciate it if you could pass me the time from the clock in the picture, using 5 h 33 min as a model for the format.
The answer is 7 h 13 min
